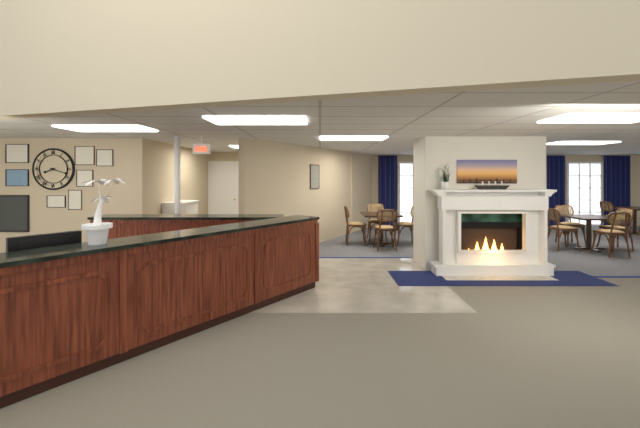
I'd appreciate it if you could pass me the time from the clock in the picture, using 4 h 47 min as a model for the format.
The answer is 8 h 18 min
